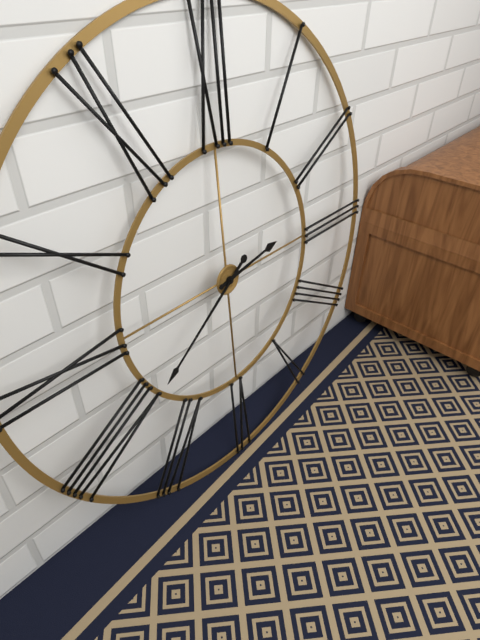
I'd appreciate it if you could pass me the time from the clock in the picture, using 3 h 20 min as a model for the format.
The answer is 2 h 39 min
